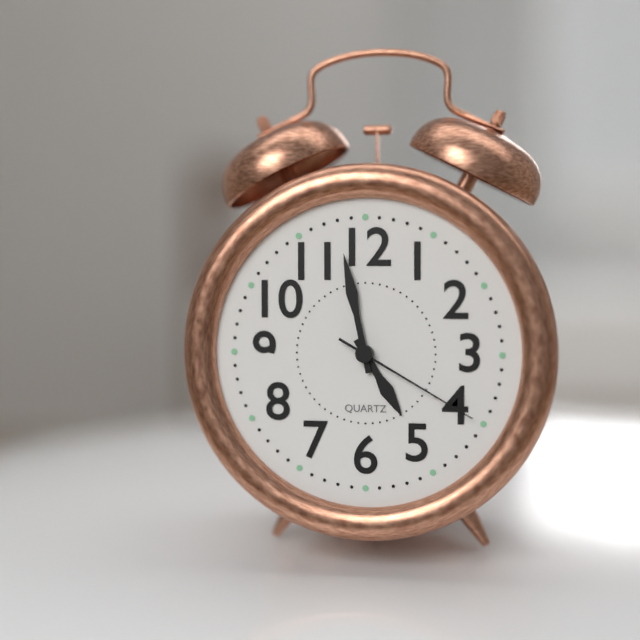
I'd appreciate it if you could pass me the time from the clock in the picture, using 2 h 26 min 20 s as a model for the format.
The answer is 4 h 58 min 20 s
